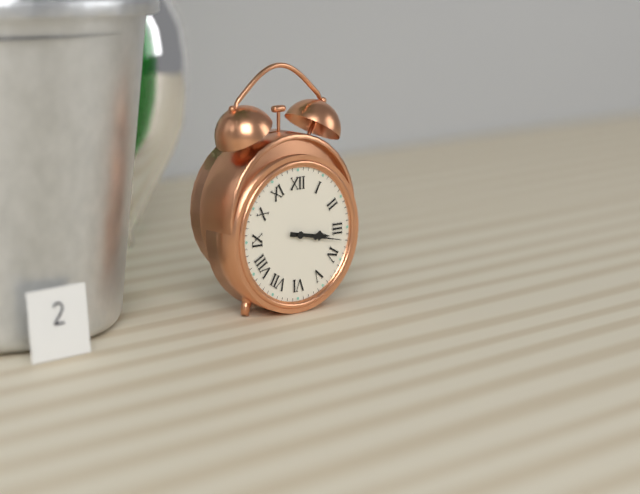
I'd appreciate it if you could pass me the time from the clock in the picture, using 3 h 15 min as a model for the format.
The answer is 3 h 17 min
